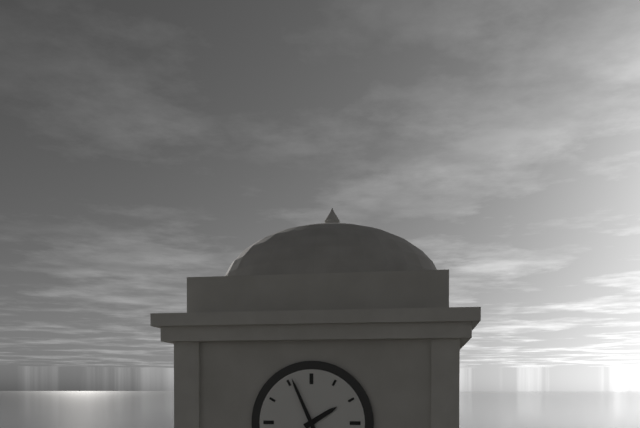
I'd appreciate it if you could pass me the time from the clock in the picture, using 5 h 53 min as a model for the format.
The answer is 1 h 56 min
